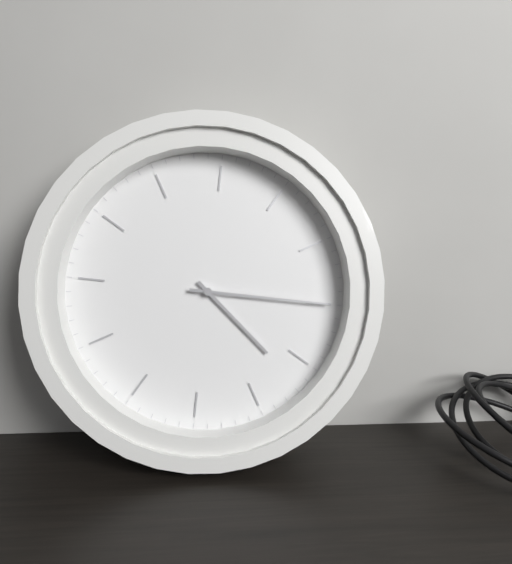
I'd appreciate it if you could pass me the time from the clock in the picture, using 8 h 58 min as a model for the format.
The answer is 5 h 20 min
